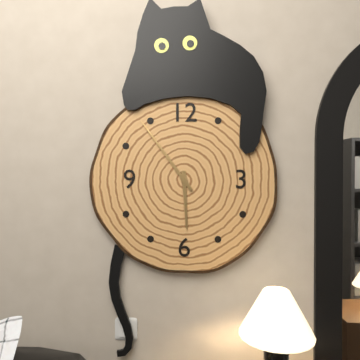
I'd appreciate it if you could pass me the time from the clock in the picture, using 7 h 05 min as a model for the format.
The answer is 5 h 54 min
